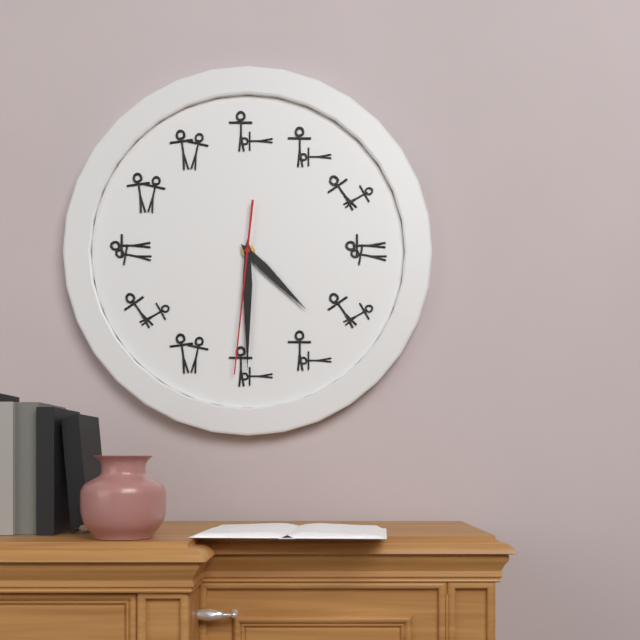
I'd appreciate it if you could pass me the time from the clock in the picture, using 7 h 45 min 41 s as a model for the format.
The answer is 4 h 30 min 31 s
